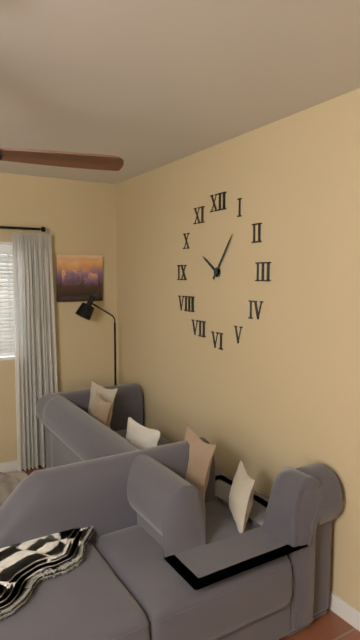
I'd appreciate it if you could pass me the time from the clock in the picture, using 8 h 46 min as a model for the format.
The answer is 10 h 06 min
